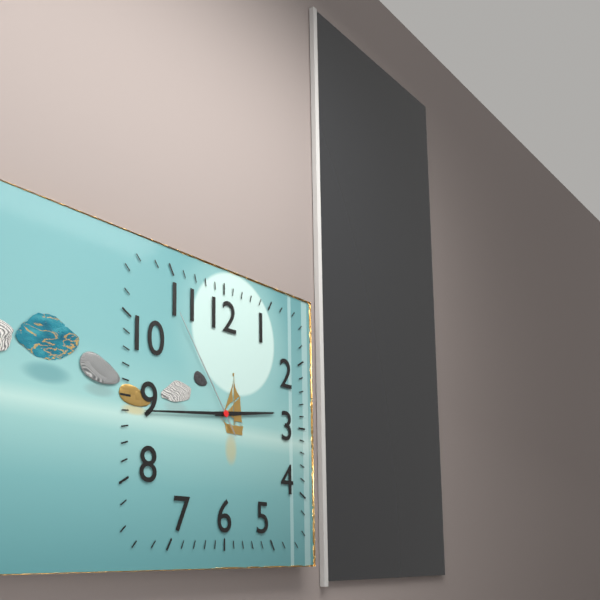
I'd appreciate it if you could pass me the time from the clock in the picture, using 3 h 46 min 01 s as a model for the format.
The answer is 2 h 44 min 54 s
